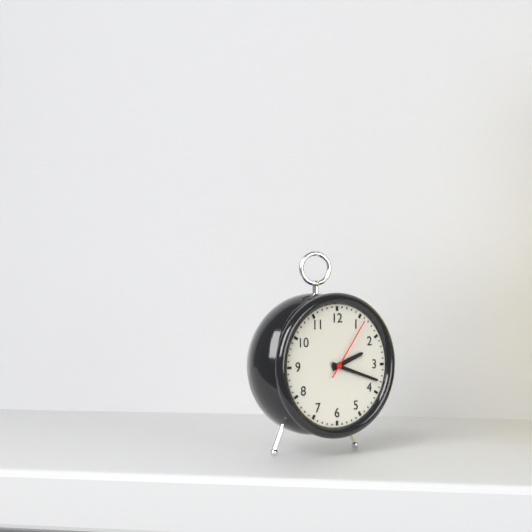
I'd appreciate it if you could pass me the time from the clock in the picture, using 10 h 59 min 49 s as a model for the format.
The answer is 2 h 18 min 06 s
